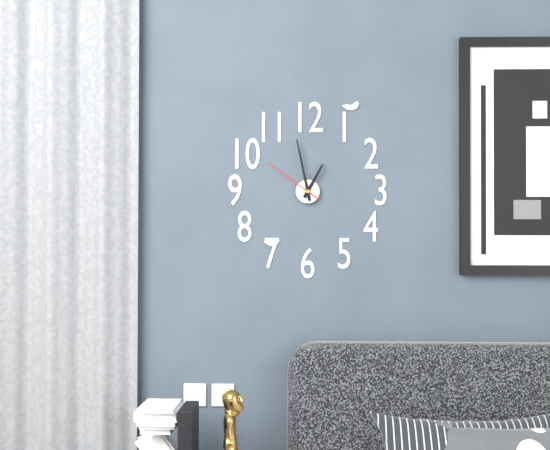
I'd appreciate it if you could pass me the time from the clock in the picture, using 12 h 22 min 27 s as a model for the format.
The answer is 12 h 58 min 51 s
